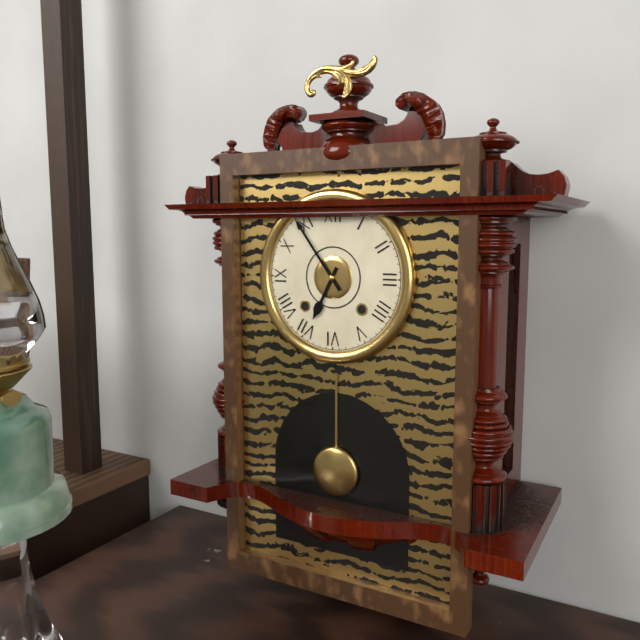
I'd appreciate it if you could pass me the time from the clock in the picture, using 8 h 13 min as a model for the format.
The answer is 6 h 54 min
